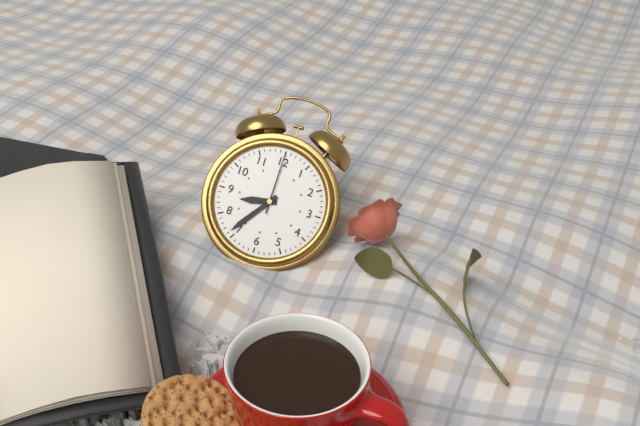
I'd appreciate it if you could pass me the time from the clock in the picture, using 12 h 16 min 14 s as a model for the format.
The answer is 8 h 36 min 00 s
